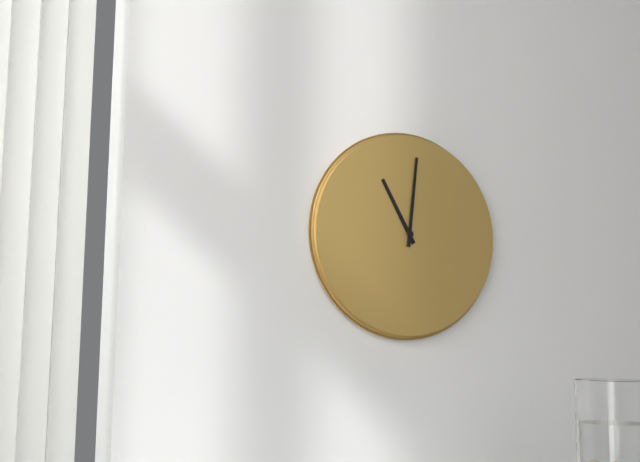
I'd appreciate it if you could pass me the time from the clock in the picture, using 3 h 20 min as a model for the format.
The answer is 11 h 01 min
